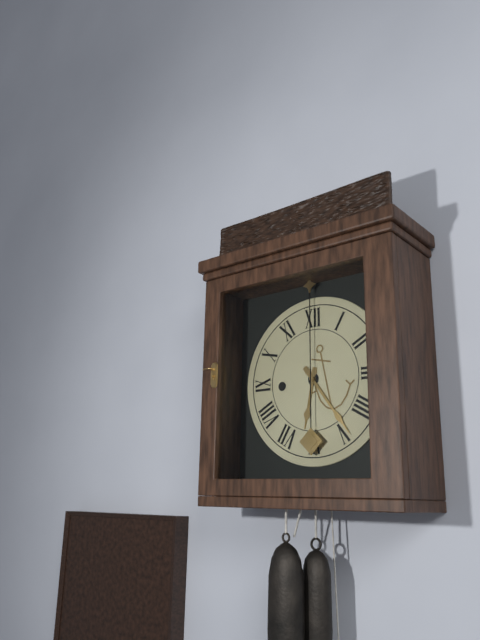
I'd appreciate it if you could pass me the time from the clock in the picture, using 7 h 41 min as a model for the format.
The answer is 6 h 24 min
